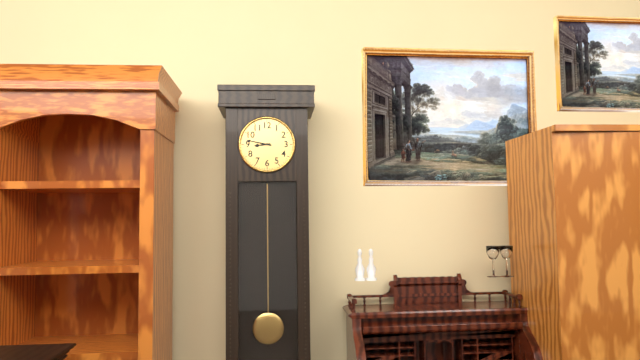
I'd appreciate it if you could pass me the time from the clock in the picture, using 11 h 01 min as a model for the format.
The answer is 8 h 47 min
